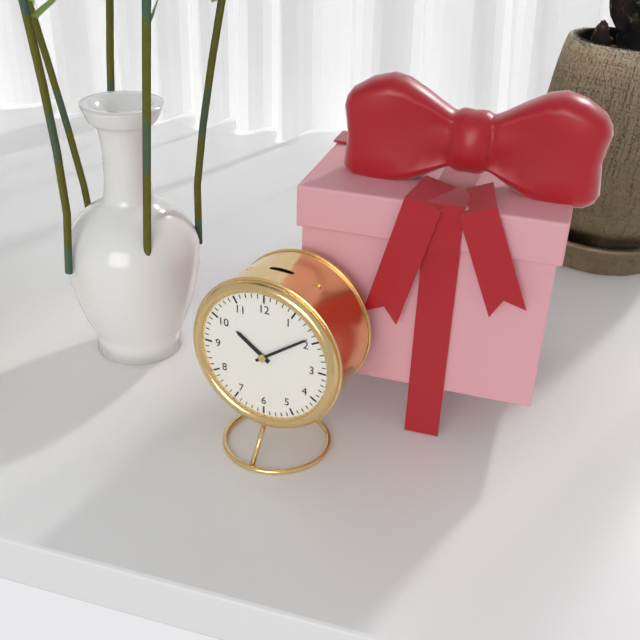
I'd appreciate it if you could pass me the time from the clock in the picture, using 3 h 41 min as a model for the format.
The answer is 10 h 09 min
